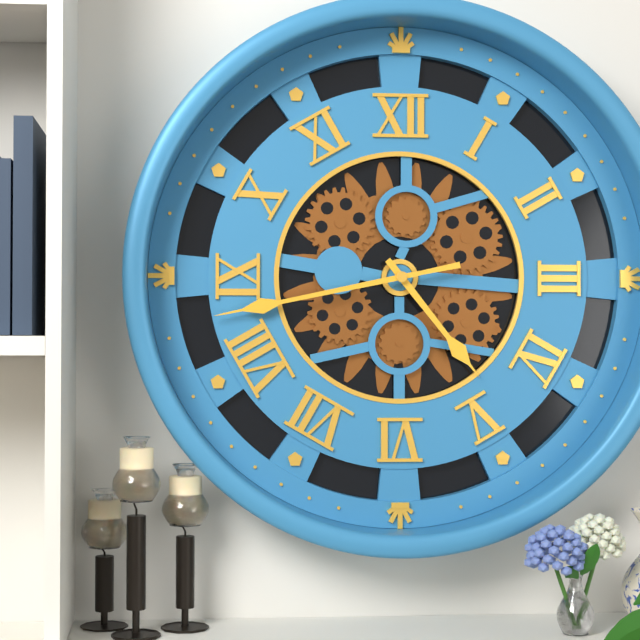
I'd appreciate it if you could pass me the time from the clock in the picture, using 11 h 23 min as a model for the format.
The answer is 4 h 43 min
